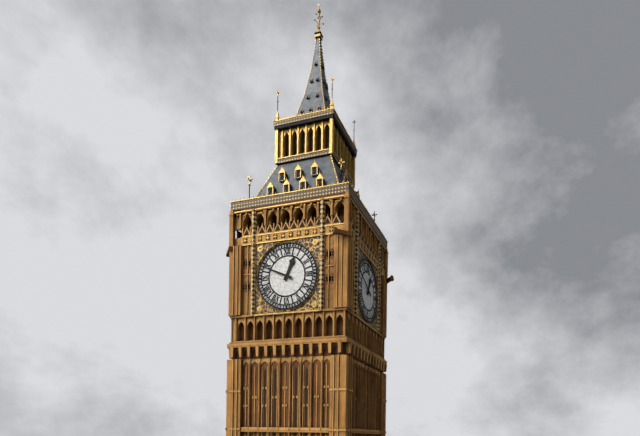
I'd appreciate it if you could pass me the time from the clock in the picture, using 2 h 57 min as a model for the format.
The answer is 12 h 49 min
